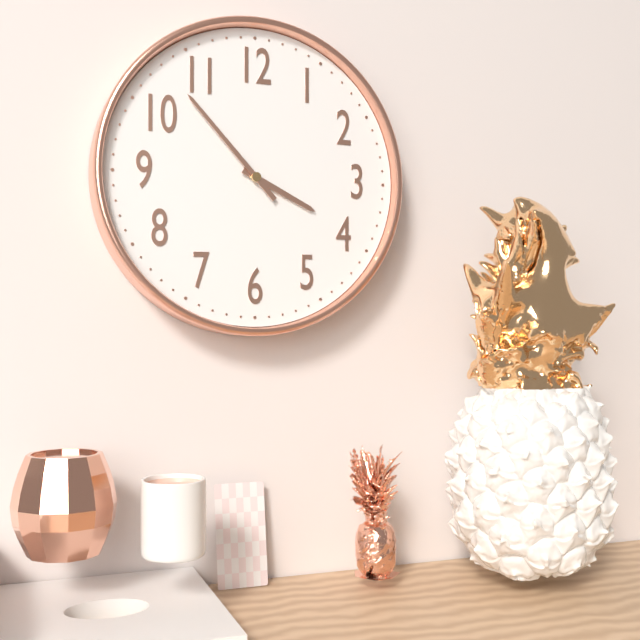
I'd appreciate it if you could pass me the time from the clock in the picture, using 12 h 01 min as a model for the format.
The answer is 3 h 53 min
